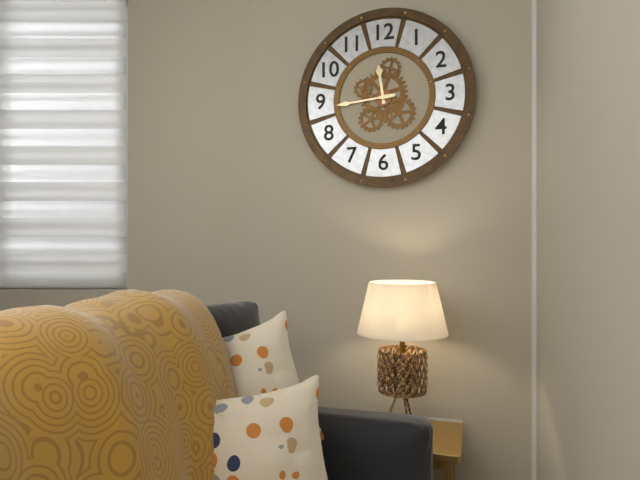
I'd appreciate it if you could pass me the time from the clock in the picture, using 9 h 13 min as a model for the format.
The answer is 11 h 44 min
